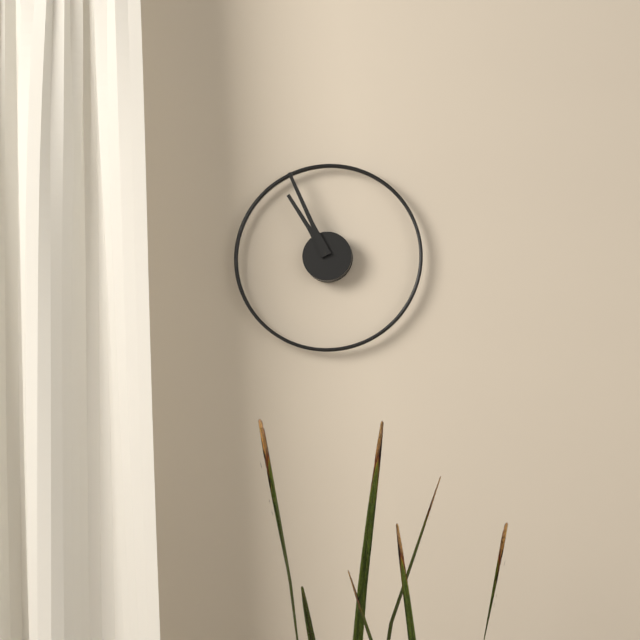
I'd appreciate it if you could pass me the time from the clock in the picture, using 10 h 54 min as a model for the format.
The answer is 10 h 56 min
